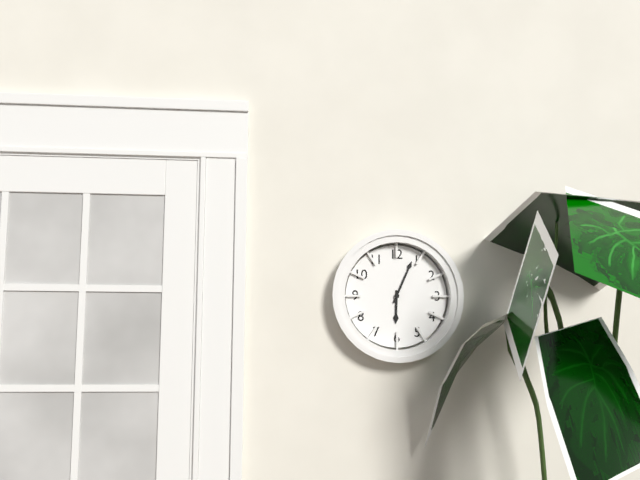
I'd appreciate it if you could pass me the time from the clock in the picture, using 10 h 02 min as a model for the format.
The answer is 6 h 04 min
